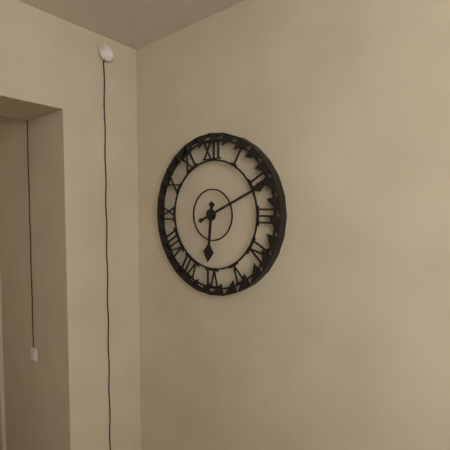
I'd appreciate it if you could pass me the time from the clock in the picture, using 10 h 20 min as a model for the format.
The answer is 6 h 11 min
